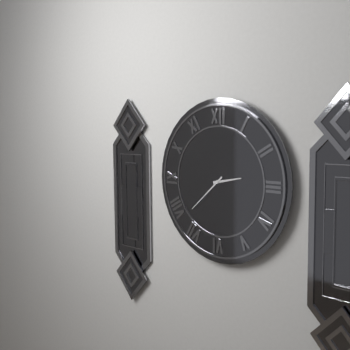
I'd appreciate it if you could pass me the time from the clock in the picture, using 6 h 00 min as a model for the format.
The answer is 2 h 38 min
